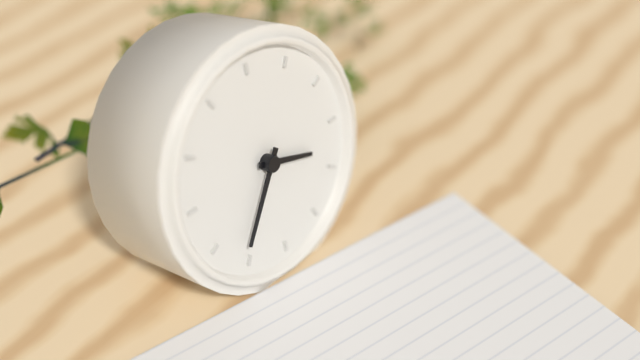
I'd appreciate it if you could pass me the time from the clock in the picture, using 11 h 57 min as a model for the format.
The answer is 3 h 36 min
